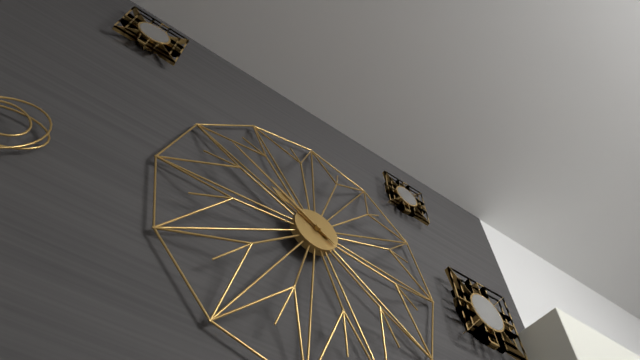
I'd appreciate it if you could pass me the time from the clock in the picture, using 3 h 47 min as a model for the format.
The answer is 9 h 50 min
